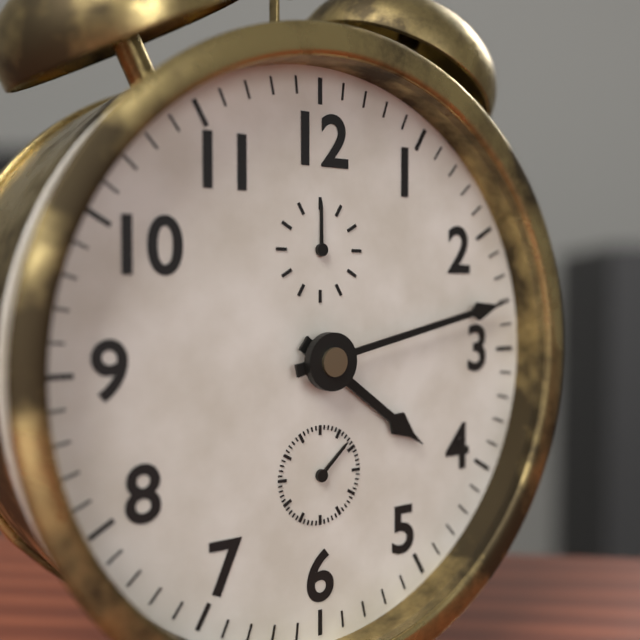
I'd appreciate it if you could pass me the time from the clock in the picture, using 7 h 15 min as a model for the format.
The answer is 4 h 13 min
